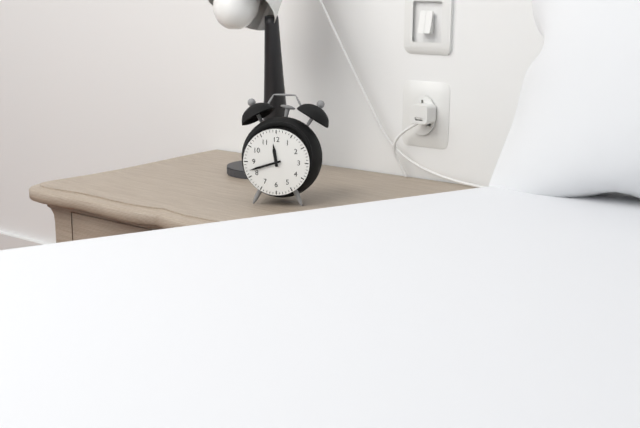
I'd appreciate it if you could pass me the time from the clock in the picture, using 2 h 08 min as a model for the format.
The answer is 11 h 42 min
